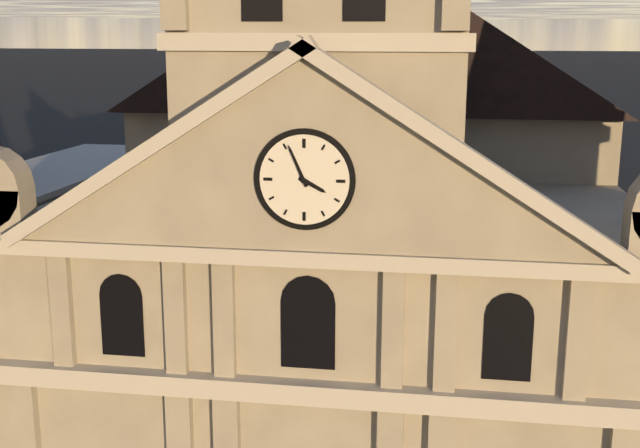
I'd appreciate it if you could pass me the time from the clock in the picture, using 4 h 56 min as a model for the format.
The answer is 3 h 56 min
